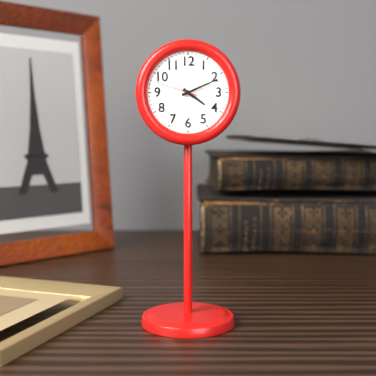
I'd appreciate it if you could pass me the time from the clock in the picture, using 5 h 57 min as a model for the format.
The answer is 4 h 11 min
